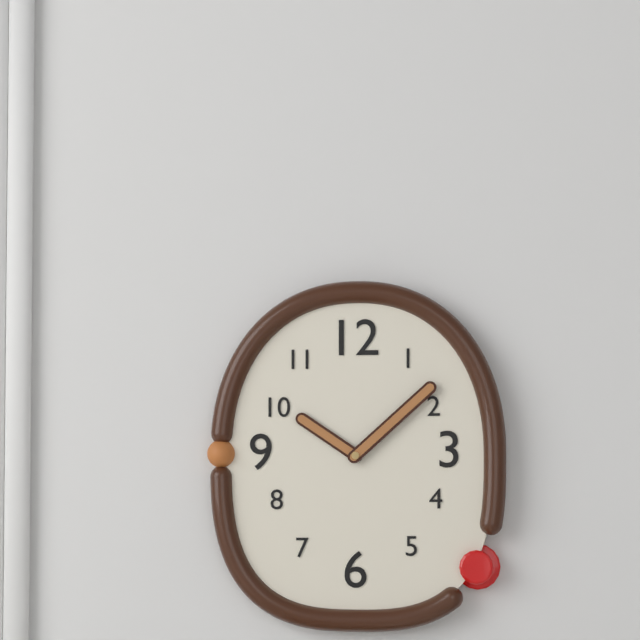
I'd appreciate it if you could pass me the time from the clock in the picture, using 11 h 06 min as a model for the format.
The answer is 10 h 08 min
